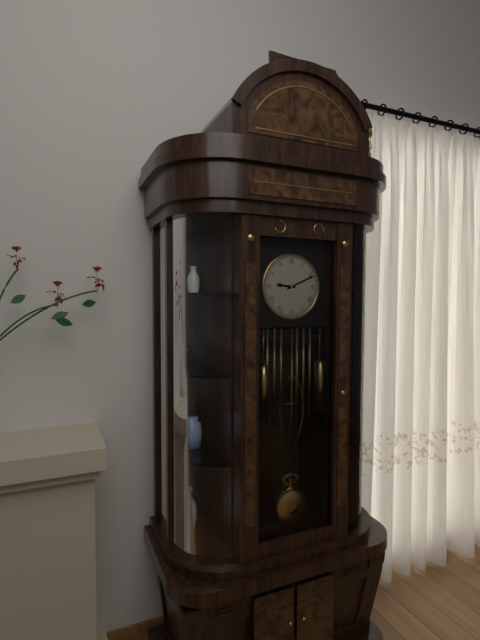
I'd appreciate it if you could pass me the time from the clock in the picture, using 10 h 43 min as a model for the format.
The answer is 9 h 11 min
